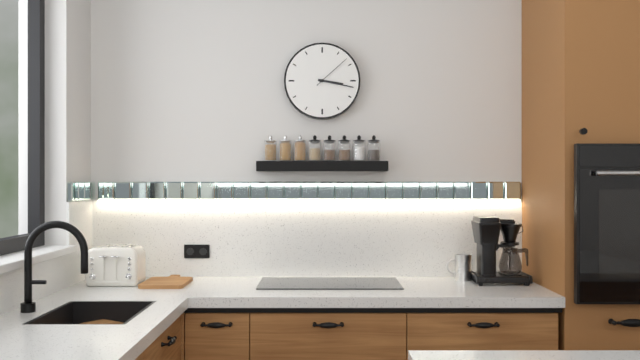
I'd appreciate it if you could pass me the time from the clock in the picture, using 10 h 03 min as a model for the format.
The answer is 3 h 17 min
